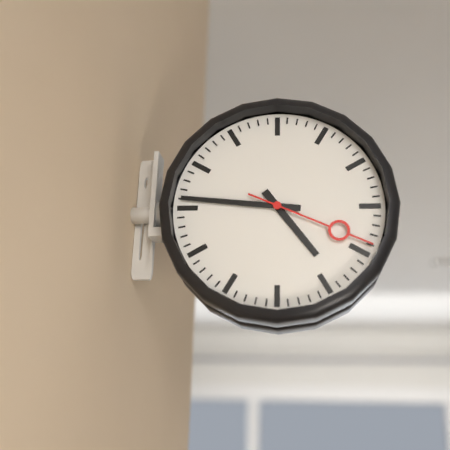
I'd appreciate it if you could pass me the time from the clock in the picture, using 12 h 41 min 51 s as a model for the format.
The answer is 4 h 46 min 19 s
